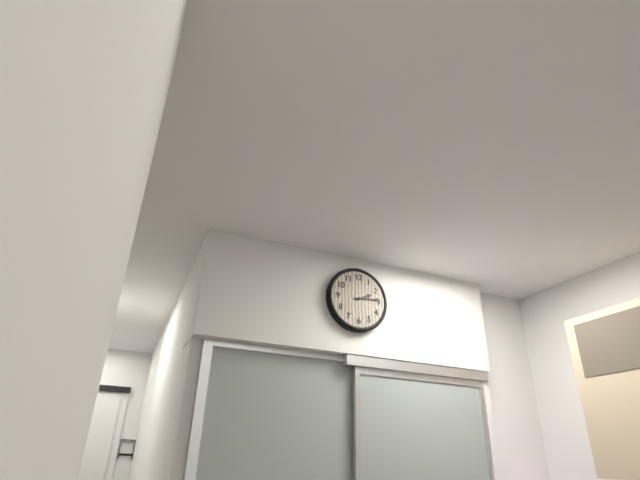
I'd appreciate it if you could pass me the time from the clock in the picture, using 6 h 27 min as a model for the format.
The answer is 2 h 14 min
